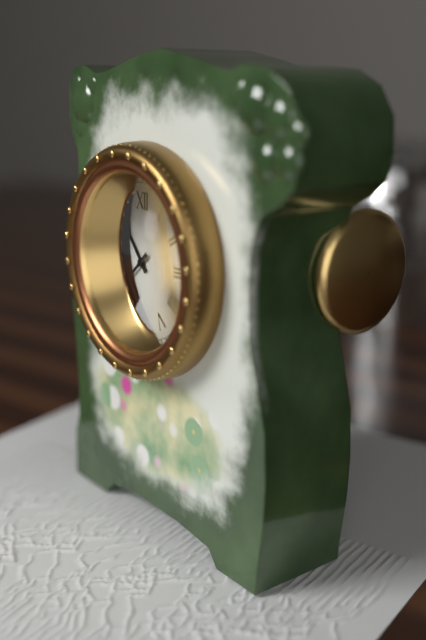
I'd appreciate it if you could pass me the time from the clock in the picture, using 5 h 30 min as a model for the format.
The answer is 10 h 38 min
